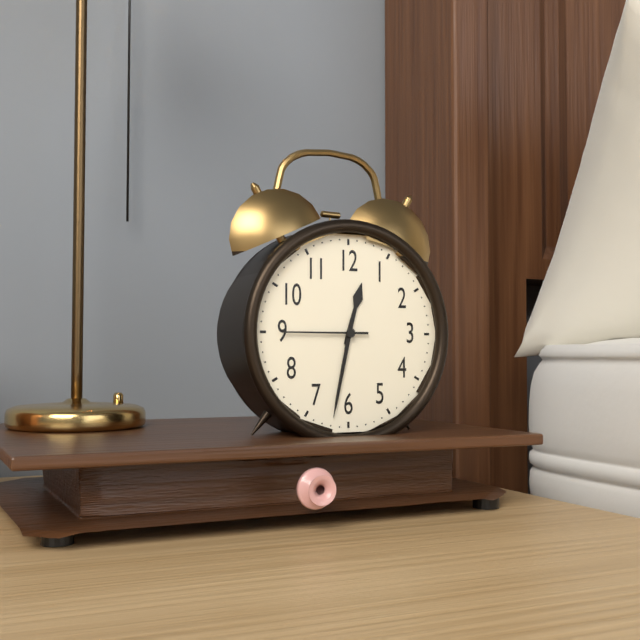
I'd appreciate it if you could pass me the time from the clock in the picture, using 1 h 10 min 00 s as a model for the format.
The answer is 12 h 32 min 45 s
